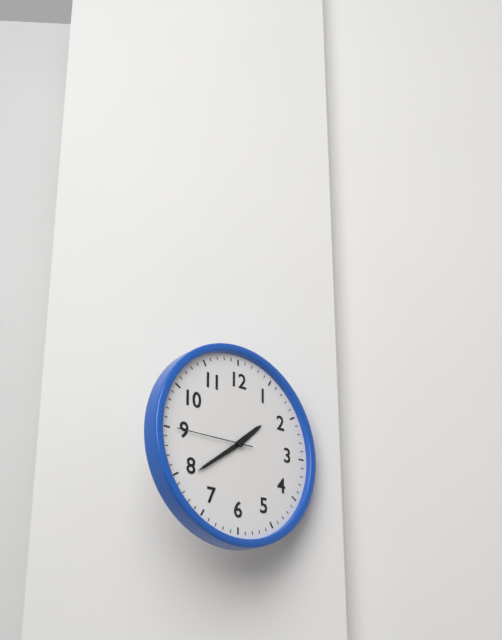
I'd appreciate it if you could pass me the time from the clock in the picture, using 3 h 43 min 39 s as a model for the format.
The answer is 1 h 39 min 45 s
